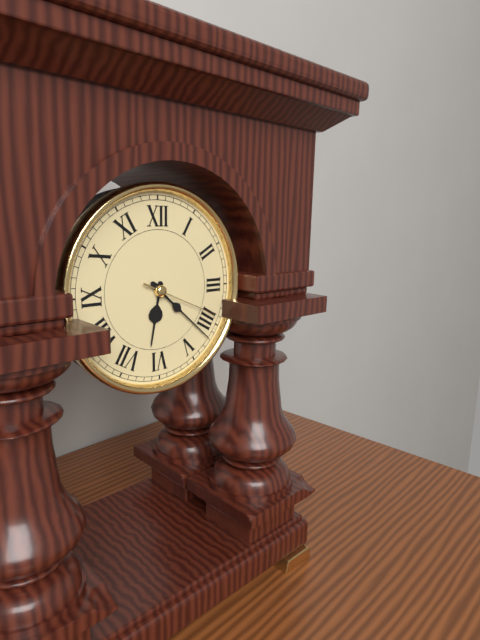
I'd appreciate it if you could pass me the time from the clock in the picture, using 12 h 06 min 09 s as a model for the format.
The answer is 6 h 22 min 19 s
